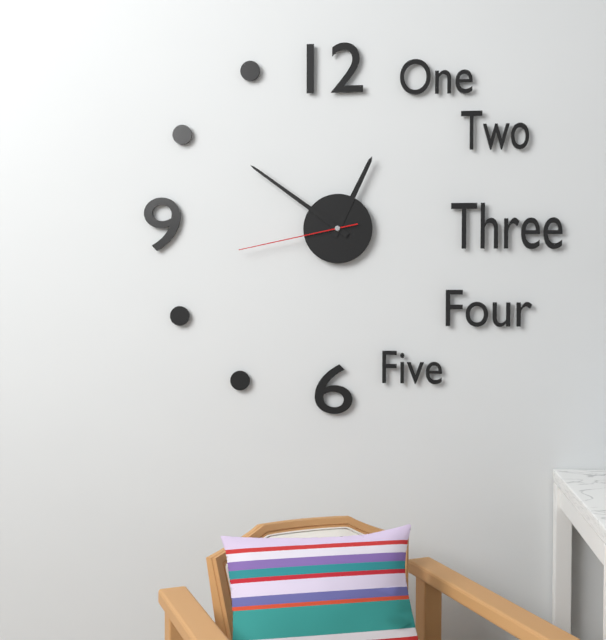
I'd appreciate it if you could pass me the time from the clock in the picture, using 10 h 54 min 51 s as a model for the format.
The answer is 12 h 51 min 43 s
